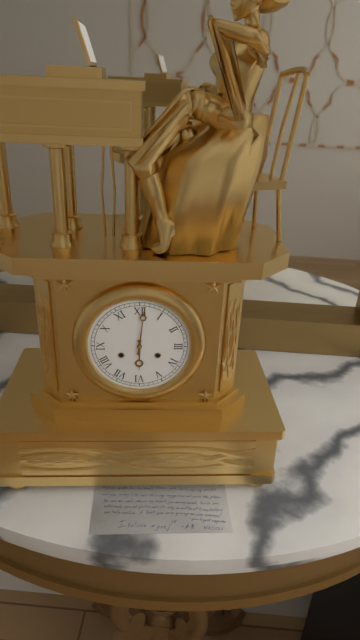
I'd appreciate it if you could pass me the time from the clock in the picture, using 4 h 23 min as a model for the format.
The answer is 6 h 01 min
